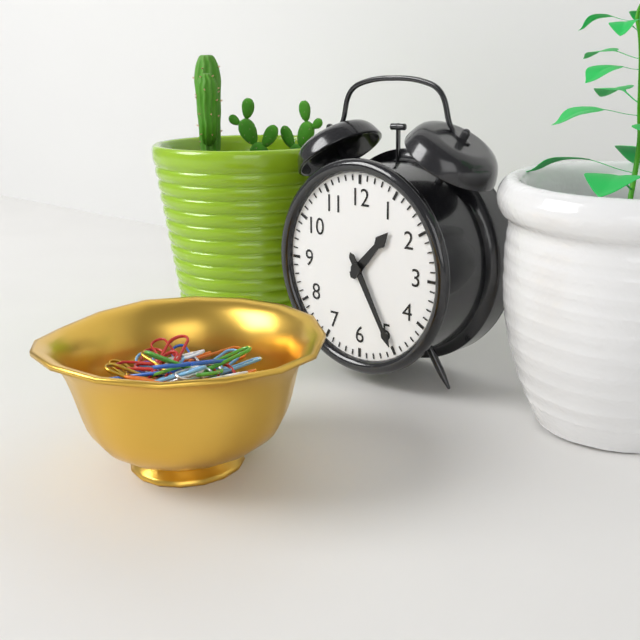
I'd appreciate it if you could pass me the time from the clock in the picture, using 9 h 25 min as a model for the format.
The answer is 1 h 25 min
